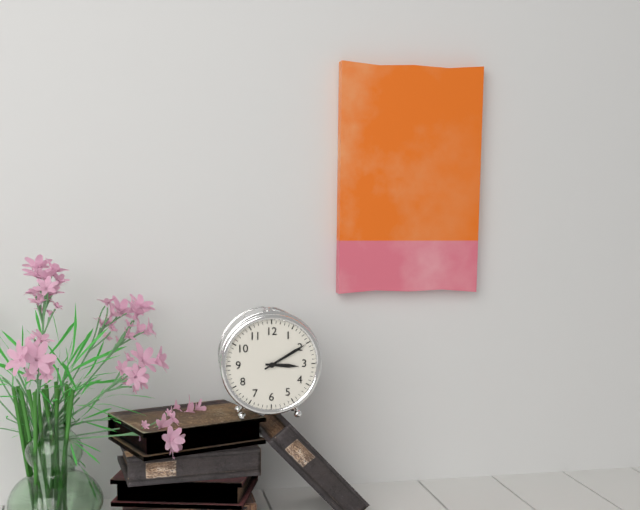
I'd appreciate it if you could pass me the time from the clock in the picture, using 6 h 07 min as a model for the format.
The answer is 3 h 10 min
